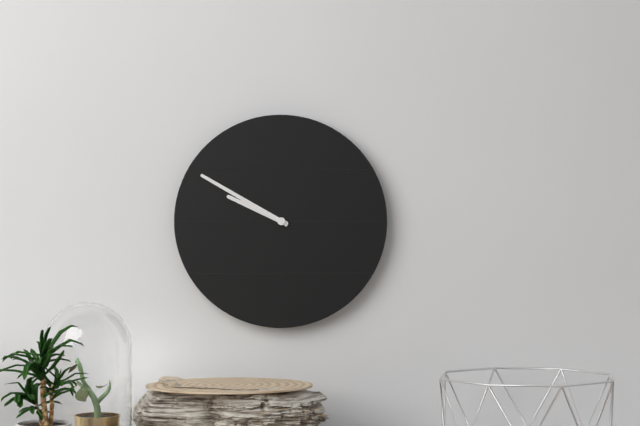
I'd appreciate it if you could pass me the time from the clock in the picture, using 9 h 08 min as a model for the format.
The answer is 9 h 50 min
